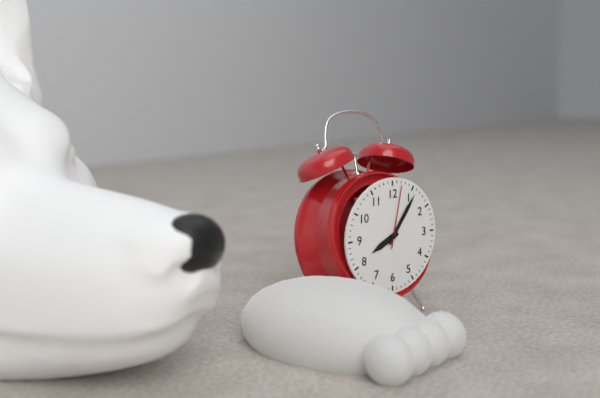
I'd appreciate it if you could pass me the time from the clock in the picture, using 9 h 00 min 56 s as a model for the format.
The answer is 8 h 06 min 02 s
